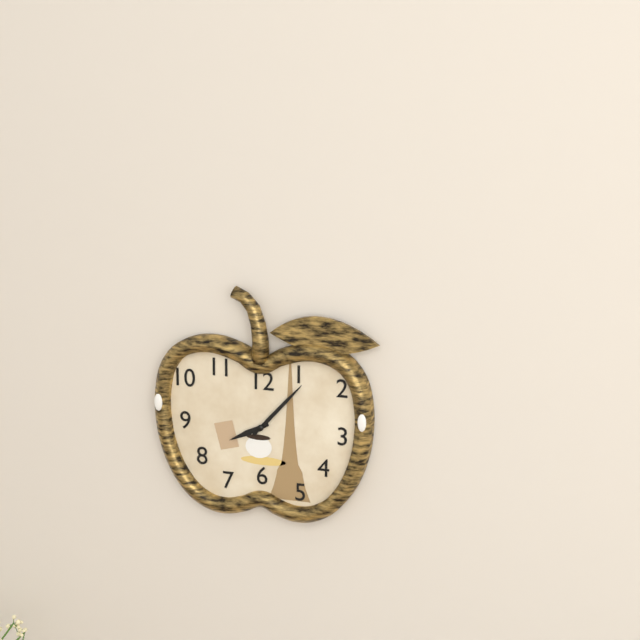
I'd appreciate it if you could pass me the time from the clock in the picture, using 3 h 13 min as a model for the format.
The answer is 8 h 07 min
